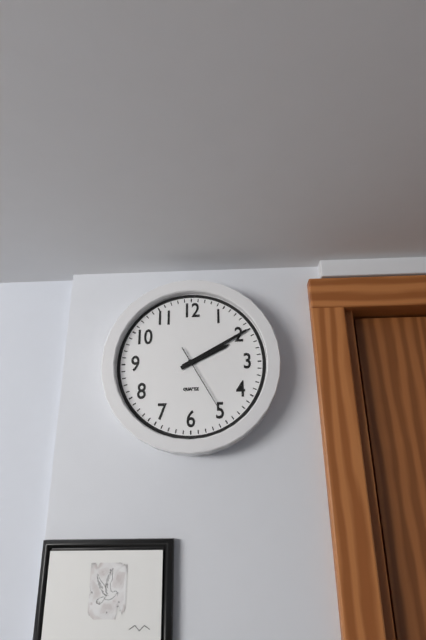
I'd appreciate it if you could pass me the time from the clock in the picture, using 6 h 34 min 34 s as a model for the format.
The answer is 2 h 10 min 25 s
